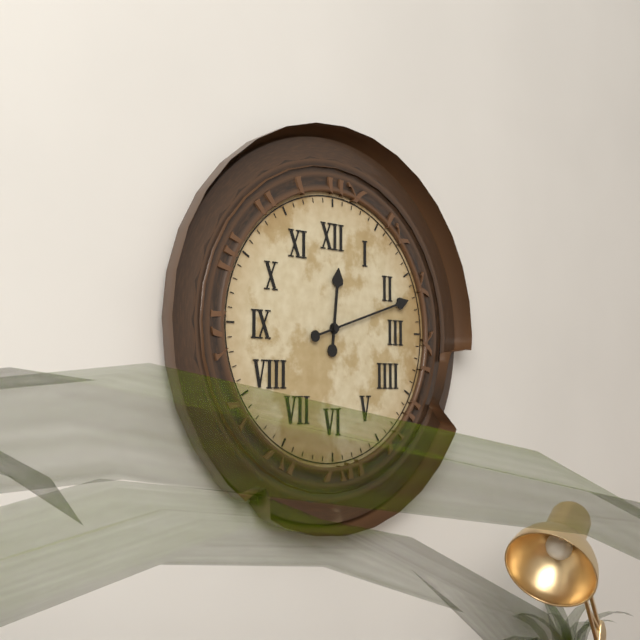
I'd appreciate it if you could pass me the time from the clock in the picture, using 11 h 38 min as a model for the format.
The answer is 12 h 12 min
